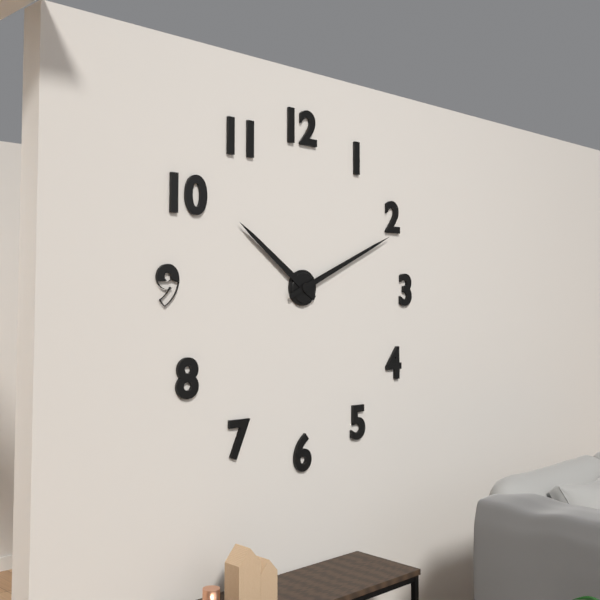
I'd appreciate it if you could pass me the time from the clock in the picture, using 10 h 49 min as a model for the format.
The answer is 10 h 11 min
